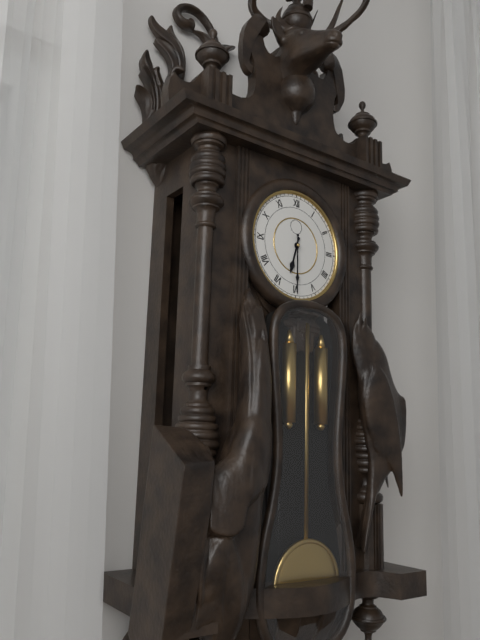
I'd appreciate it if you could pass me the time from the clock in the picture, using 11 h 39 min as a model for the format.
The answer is 6 h 30 min
